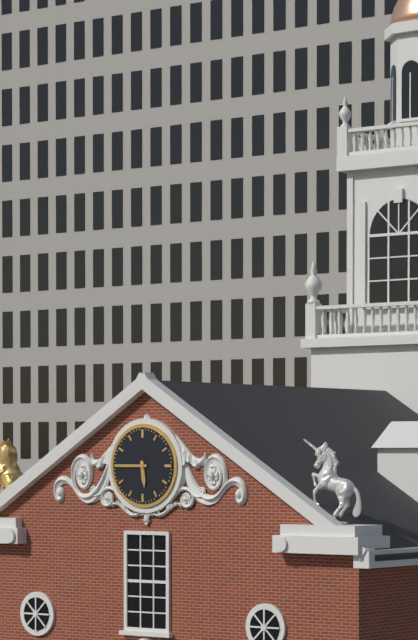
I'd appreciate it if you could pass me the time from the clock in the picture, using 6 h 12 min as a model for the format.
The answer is 5 h 45 min
